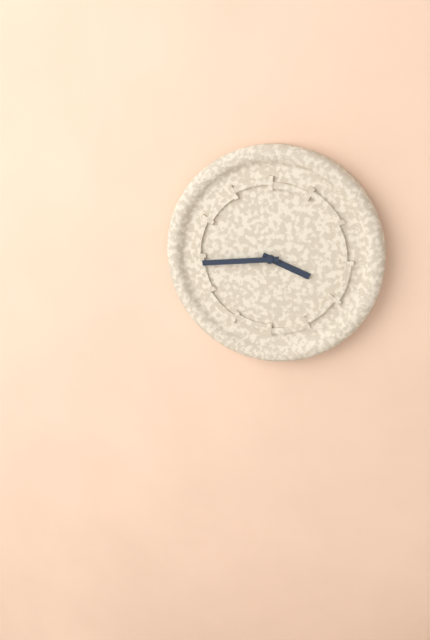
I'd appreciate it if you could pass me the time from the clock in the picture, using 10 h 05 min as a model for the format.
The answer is 3 h 44 min
